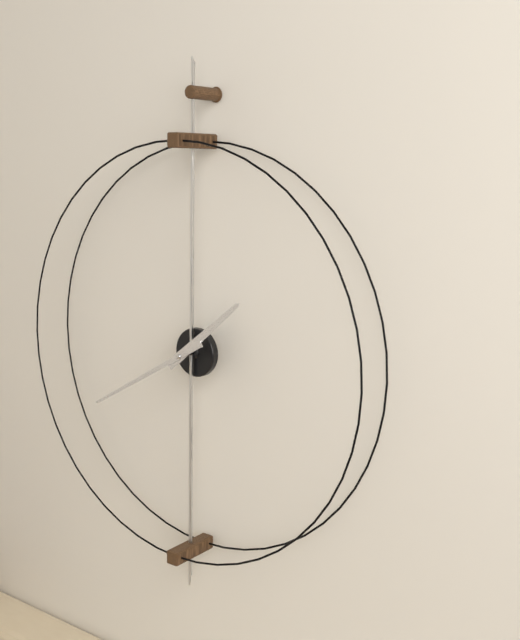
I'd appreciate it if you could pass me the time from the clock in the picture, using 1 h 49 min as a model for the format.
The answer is 1 h 40 min
